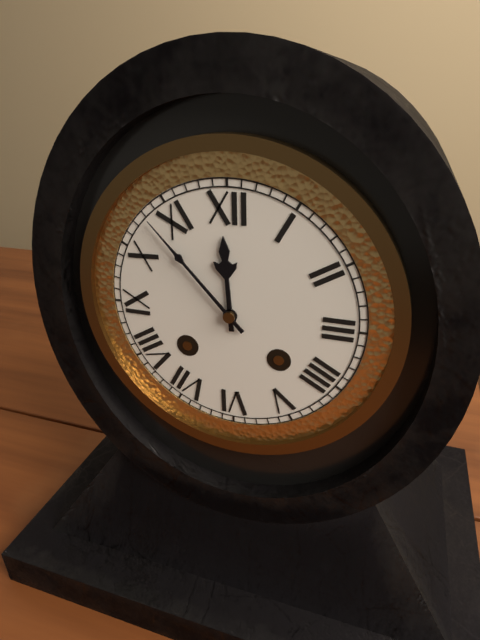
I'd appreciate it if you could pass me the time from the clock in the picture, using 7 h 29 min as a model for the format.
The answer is 11 h 53 min
